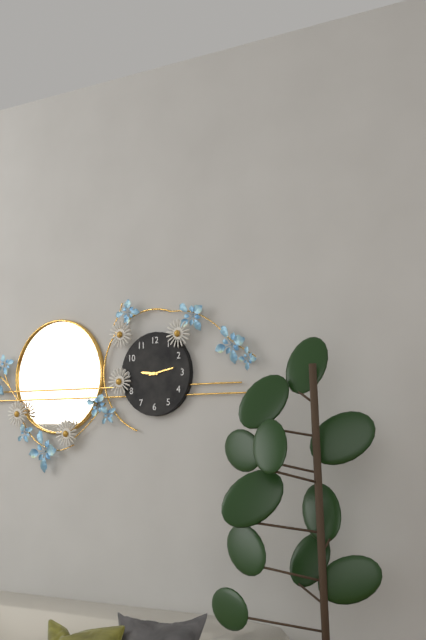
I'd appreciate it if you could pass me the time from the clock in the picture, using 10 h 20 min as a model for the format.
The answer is 9 h 13 min
